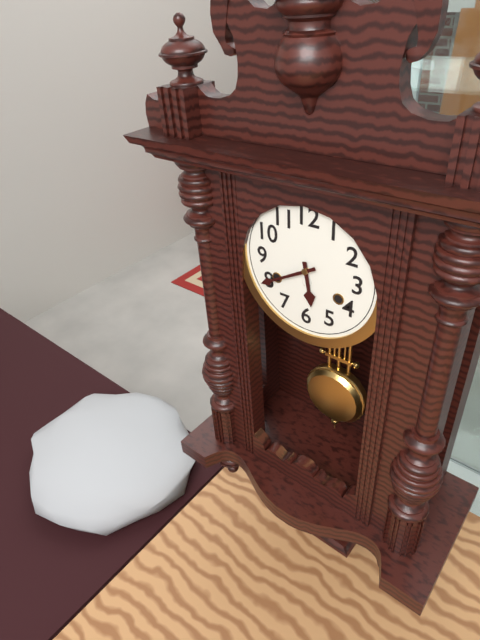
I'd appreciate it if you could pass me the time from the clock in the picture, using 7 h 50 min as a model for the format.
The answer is 5 h 40 min
